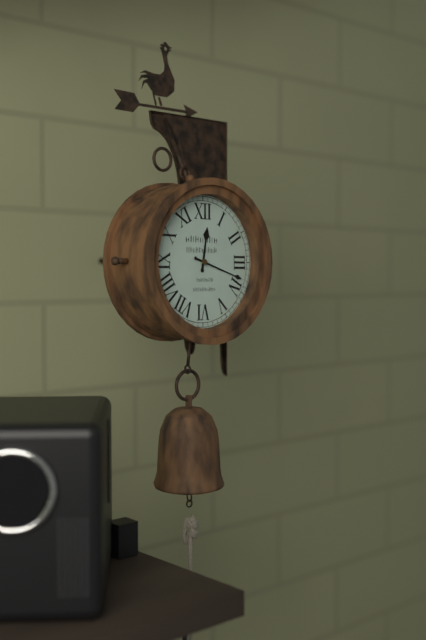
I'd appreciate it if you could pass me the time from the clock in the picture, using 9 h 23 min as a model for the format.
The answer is 12 h 18 min
